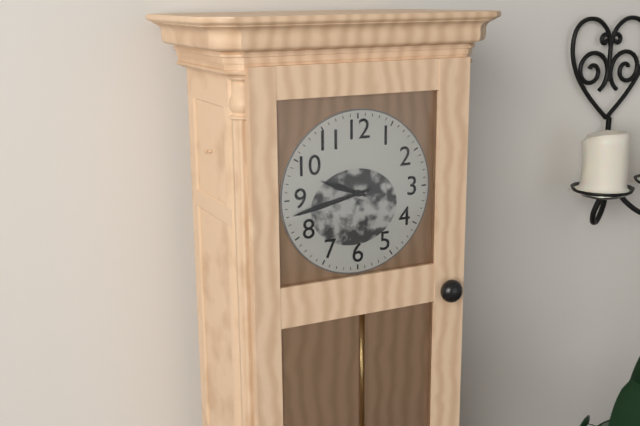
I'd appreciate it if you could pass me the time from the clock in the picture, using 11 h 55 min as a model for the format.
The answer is 9 h 43 min
